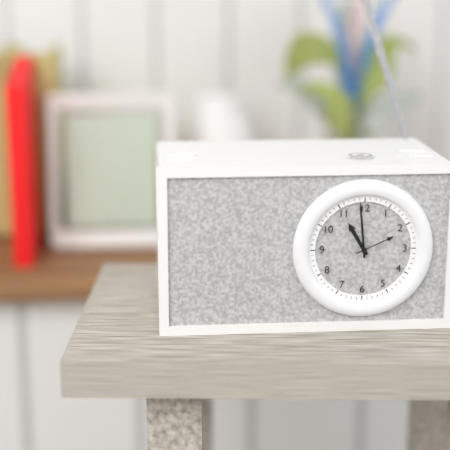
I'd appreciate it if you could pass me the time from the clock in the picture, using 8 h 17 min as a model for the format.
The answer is 10 h 59 min
